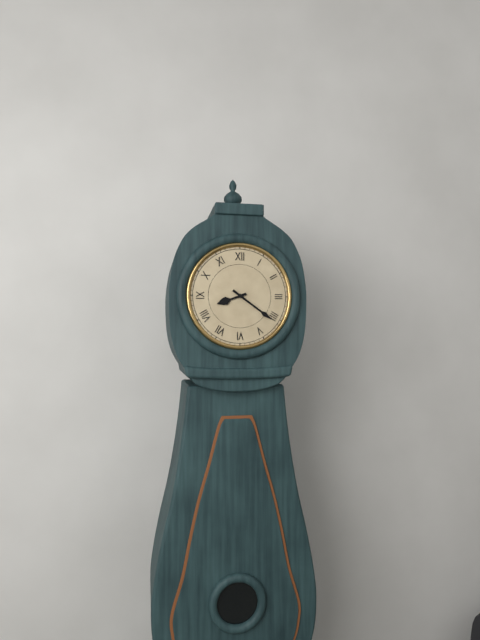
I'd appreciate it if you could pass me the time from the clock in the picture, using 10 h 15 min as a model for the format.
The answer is 8 h 21 min
